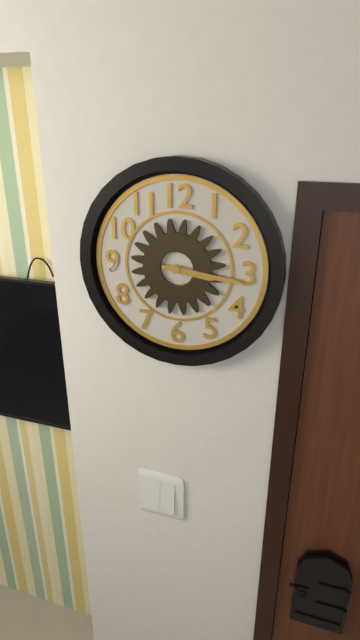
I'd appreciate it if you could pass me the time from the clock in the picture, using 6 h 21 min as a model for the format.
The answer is 3 h 16 min
